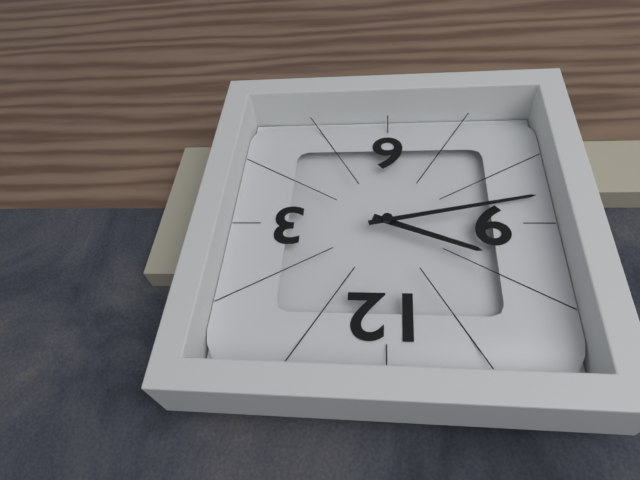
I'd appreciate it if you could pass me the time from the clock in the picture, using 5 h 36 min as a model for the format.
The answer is 9 h 43 min
